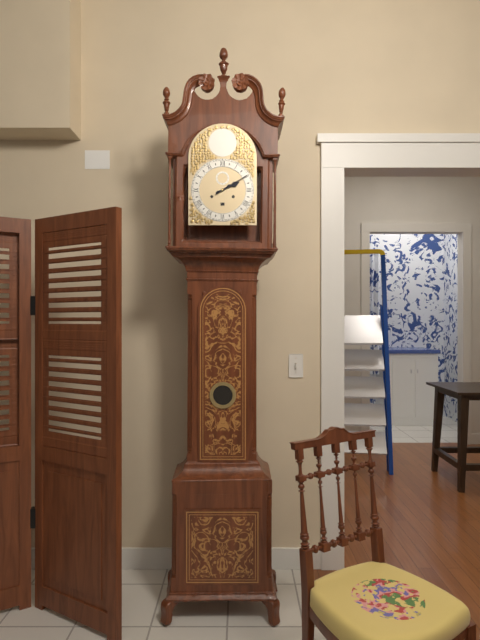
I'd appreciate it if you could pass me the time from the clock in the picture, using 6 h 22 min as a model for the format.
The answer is 2 h 10 min
